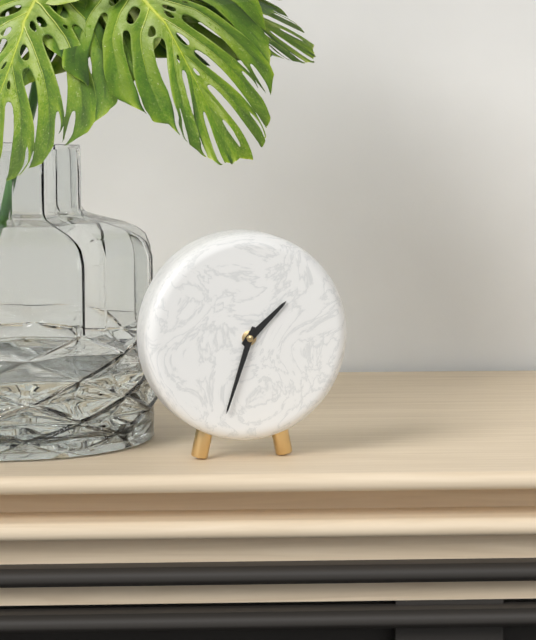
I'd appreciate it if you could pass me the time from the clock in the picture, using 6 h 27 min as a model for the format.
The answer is 1 h 33 min
